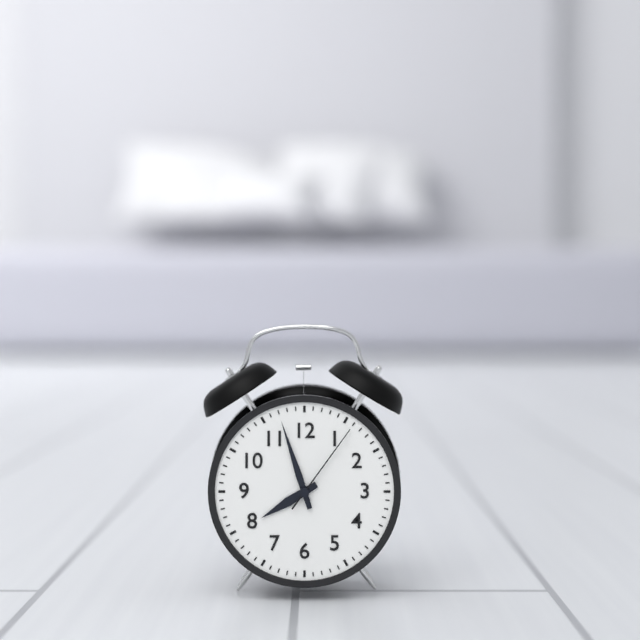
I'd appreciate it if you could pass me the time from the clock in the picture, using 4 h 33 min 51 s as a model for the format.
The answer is 7 h 57 min 06 s
